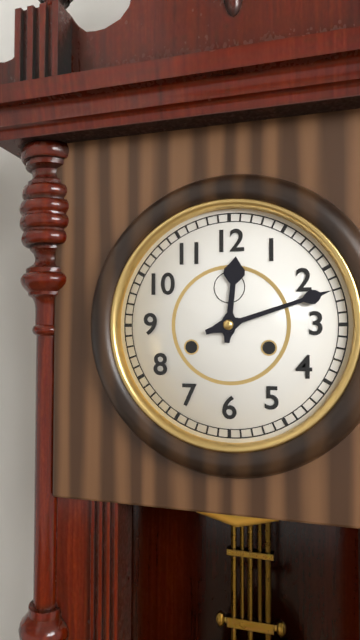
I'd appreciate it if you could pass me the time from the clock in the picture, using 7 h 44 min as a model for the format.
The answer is 12 h 12 min
